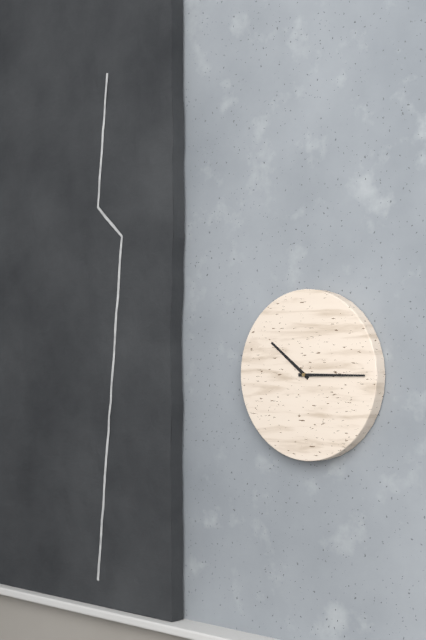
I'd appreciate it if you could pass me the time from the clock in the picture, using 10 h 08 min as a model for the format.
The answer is 10 h 15 min
